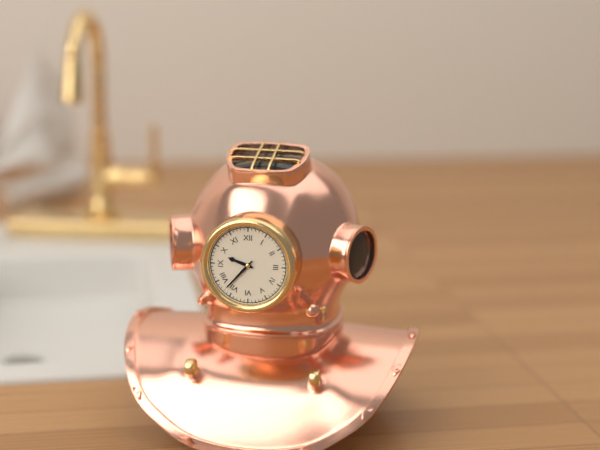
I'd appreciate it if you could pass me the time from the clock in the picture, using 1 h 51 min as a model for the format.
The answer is 9 h 37 min
